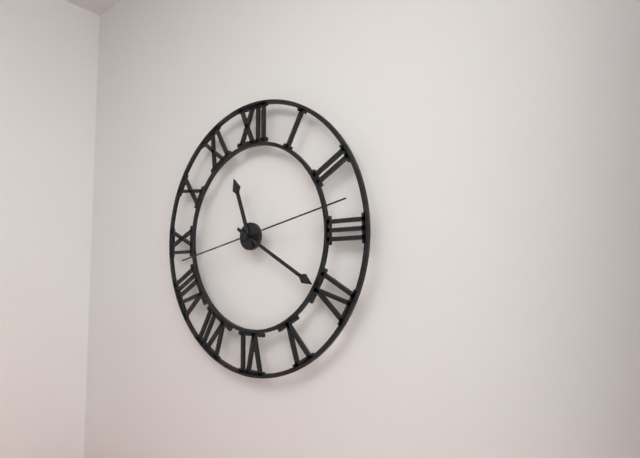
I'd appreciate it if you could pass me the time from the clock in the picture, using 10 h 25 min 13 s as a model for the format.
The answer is 11 h 20 min 13 s
